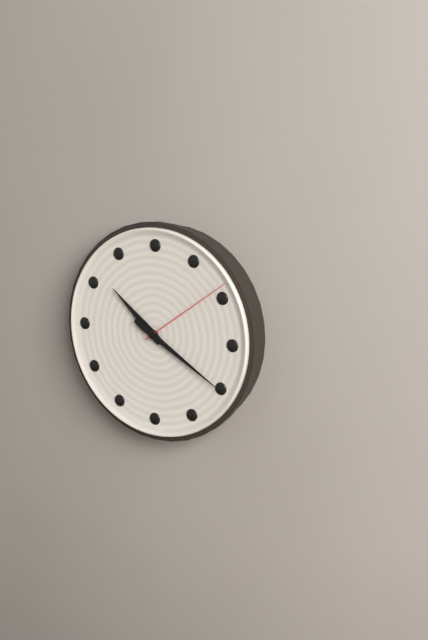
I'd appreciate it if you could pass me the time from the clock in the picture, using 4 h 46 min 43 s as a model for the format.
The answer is 10 h 20 min 09 s
